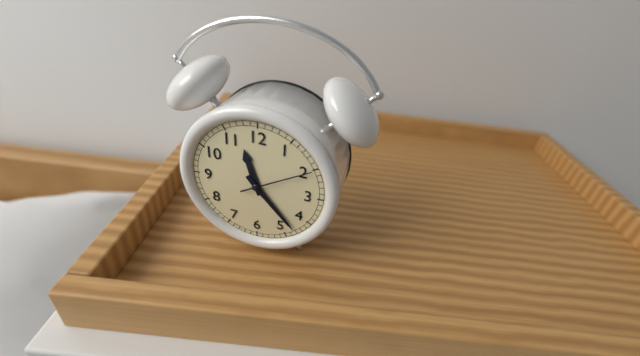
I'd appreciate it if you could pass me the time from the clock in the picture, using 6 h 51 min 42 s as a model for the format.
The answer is 11 h 23 min 10 s
